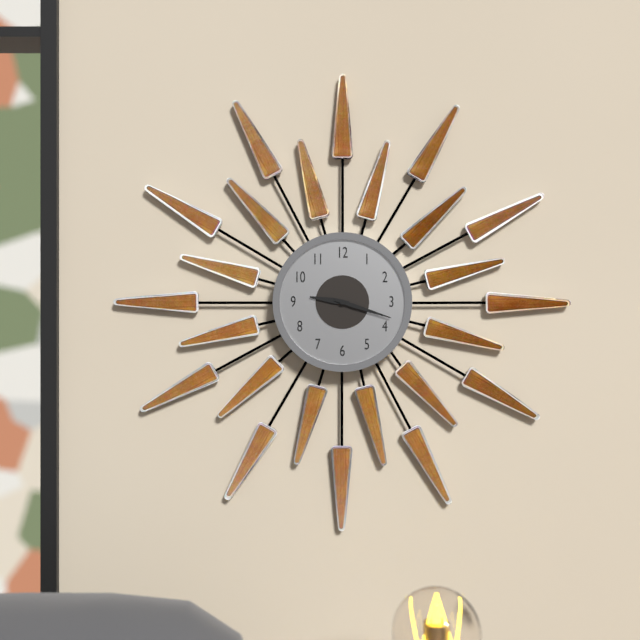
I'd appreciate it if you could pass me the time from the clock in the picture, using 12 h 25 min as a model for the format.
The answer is 9 h 18 min
